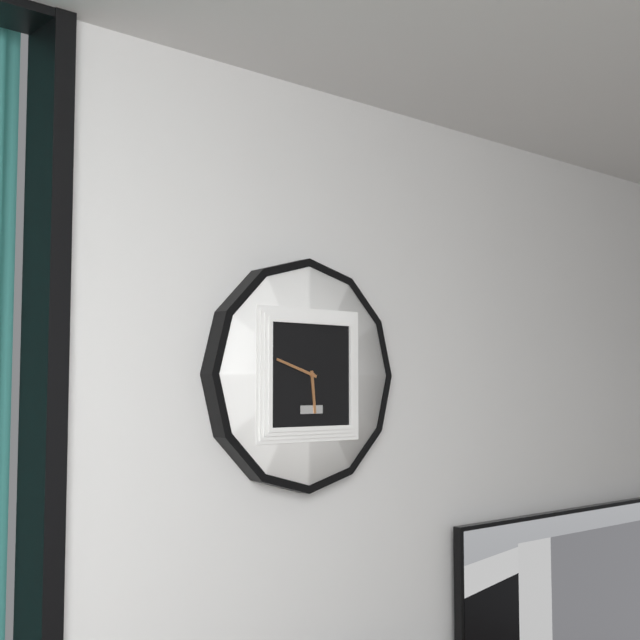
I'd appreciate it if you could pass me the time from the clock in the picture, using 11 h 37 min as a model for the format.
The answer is 5 h 48 min
